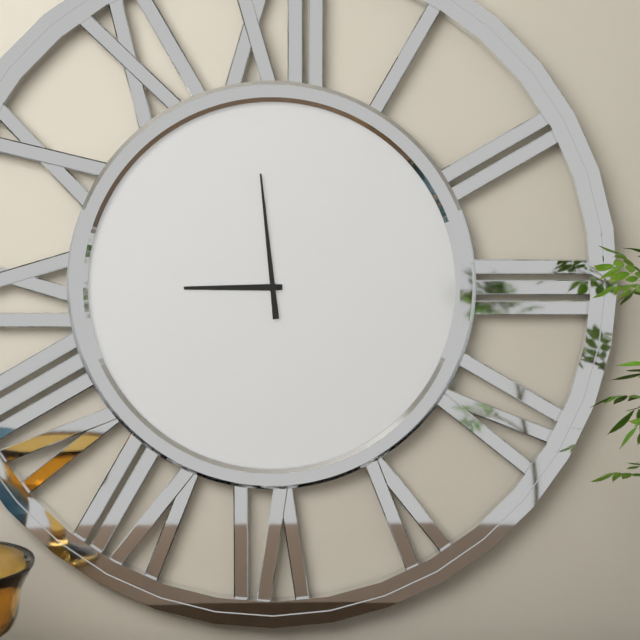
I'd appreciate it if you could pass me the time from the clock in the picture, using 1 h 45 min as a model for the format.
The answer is 8 h 59 min
